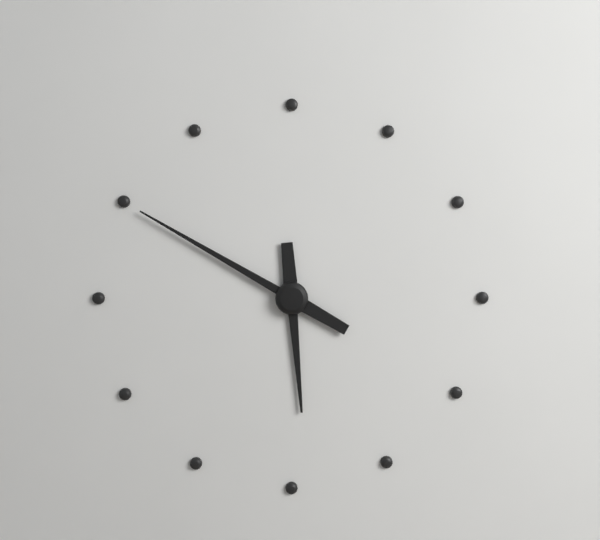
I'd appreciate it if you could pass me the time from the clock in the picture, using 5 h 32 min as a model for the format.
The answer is 5 h 50 min
